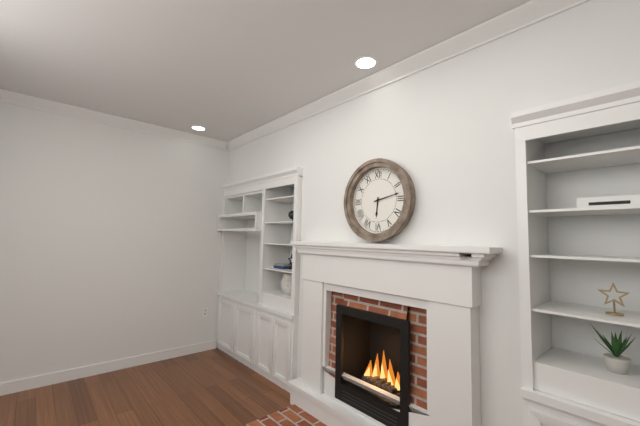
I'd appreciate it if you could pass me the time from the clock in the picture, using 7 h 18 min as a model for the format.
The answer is 6 h 13 min
